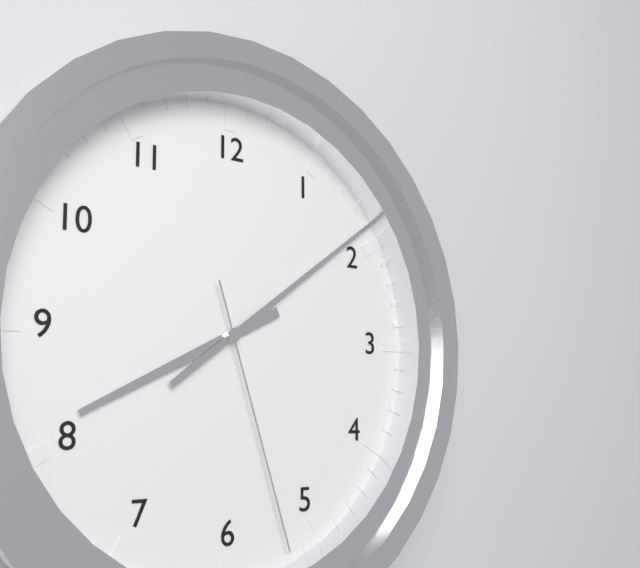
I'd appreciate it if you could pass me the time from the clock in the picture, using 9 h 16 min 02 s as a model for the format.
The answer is 8 h 09 min 27 s
